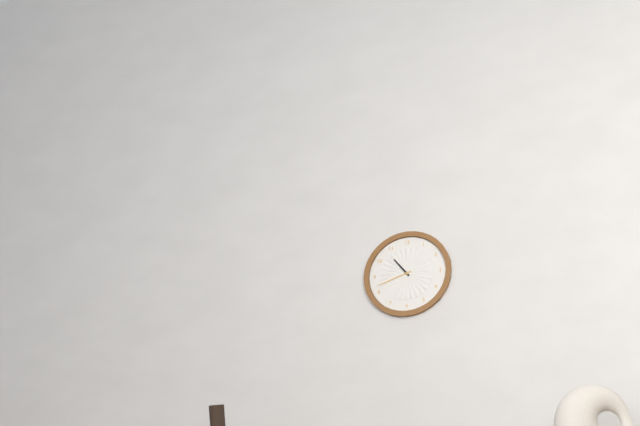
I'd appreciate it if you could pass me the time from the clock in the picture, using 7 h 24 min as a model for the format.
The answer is 10 h 42 min
